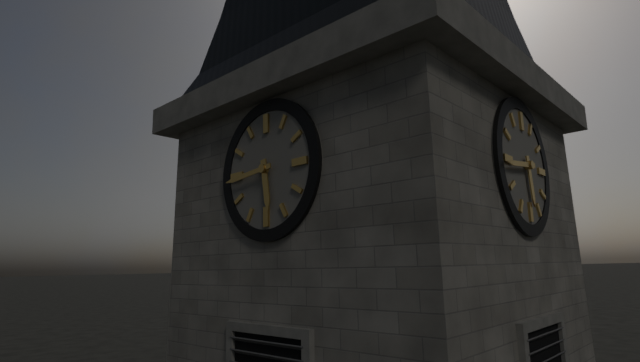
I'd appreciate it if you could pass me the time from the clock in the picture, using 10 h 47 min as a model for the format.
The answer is 5 h 44 min
